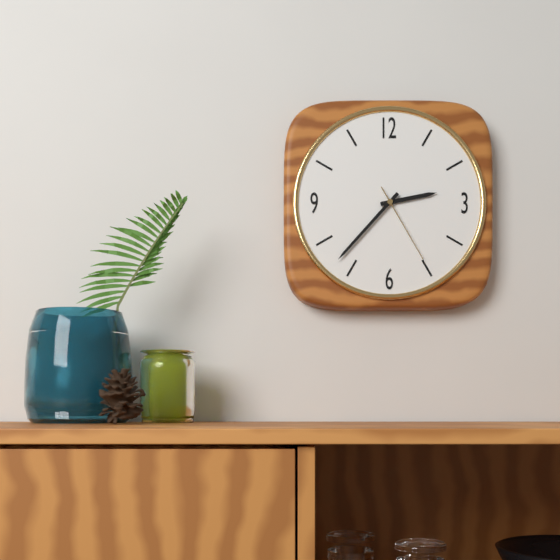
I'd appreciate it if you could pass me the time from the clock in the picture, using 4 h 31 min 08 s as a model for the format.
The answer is 2 h 37 min 25 s
